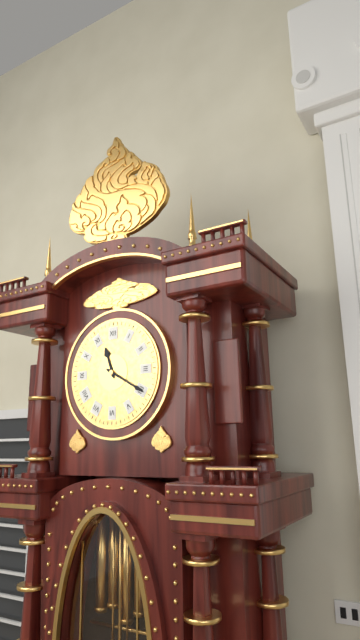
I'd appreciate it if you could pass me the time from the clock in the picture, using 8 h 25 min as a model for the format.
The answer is 11 h 20 min
